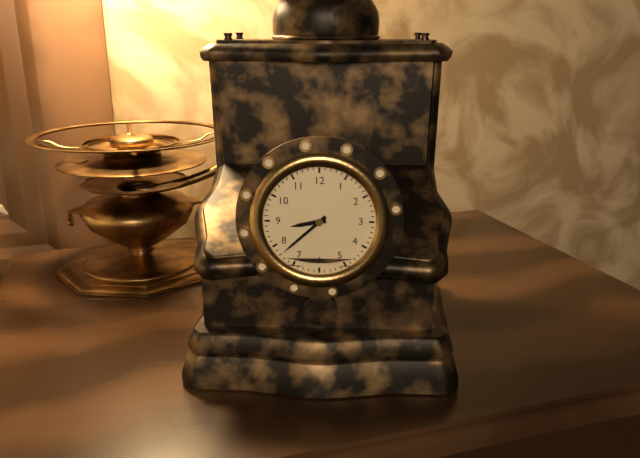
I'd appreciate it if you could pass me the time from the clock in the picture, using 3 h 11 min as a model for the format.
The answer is 8 h 38 min
